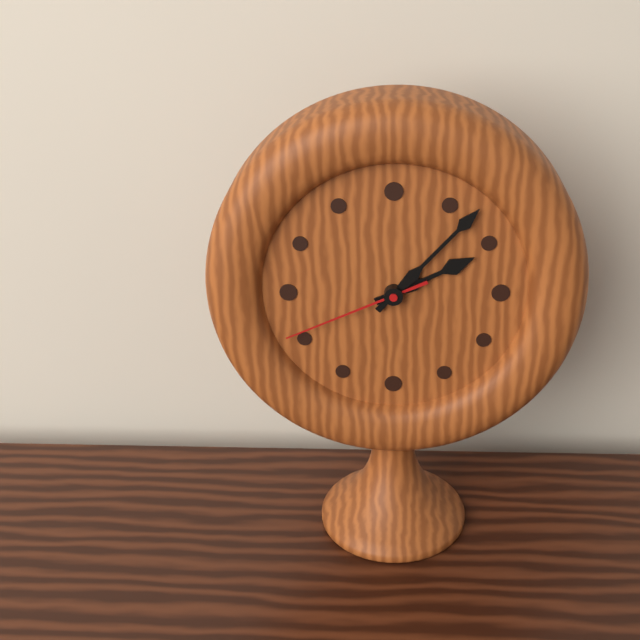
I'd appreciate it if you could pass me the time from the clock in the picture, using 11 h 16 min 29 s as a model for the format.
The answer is 2 h 07 min 41 s
